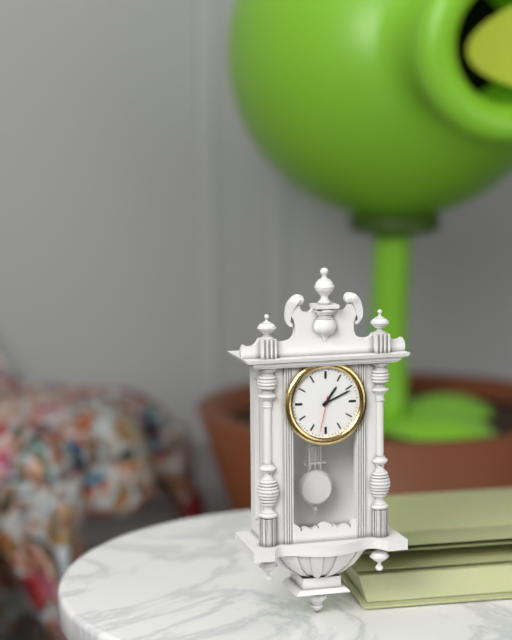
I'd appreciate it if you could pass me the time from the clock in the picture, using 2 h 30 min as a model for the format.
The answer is 1 h 11 min
